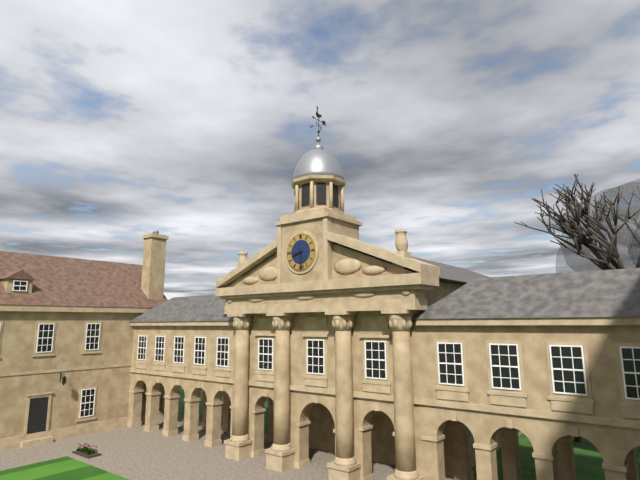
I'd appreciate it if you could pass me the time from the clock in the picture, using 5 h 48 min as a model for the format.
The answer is 8 h 29 min
